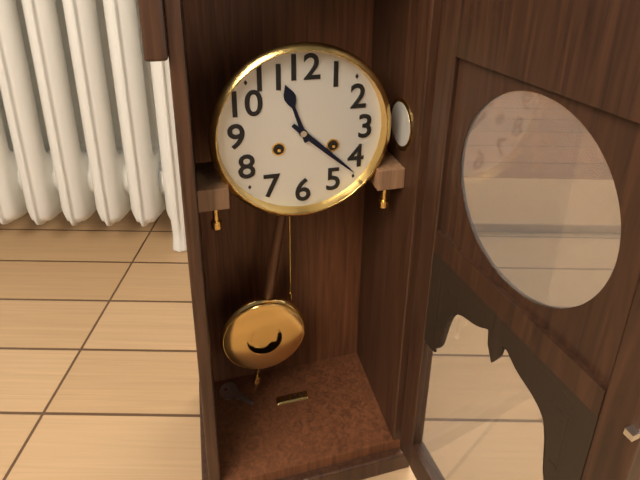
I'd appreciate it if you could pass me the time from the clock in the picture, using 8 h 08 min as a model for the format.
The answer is 11 h 22 min
